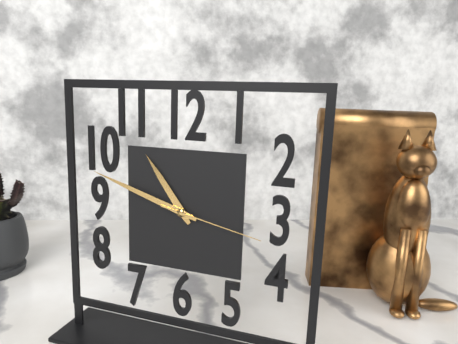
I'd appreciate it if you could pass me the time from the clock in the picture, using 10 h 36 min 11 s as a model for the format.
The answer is 10 h 48 min 17 s
